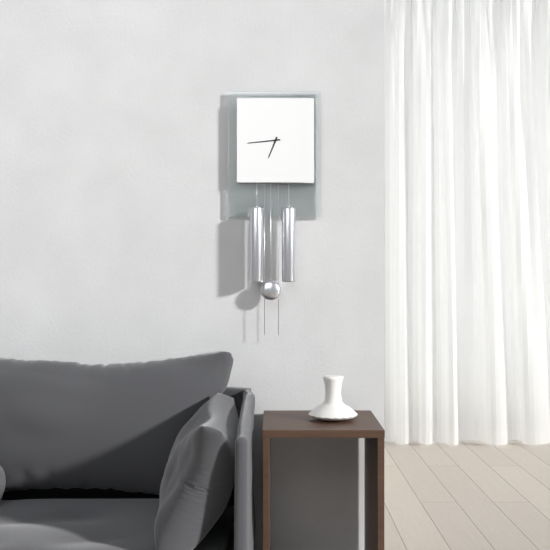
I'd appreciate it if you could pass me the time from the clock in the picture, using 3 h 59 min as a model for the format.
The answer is 6 h 44 min
